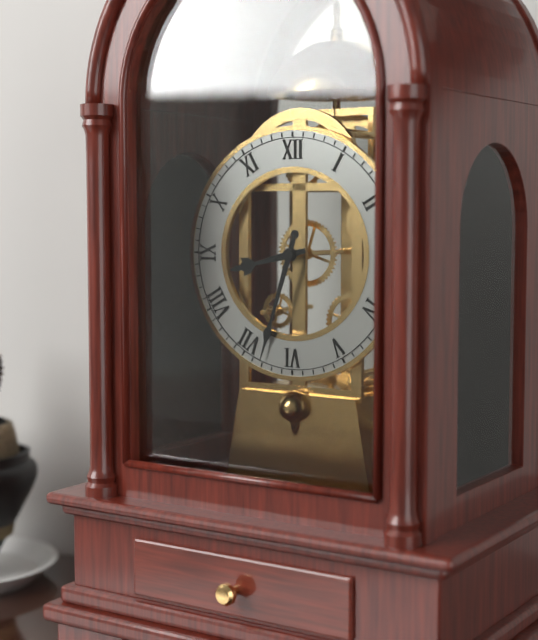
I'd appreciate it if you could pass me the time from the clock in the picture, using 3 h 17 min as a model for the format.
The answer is 8 h 33 min
